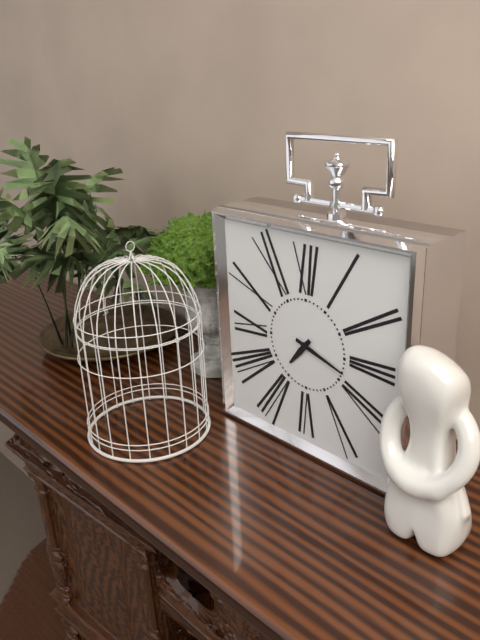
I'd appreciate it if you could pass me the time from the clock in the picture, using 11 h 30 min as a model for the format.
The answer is 7 h 18 min
